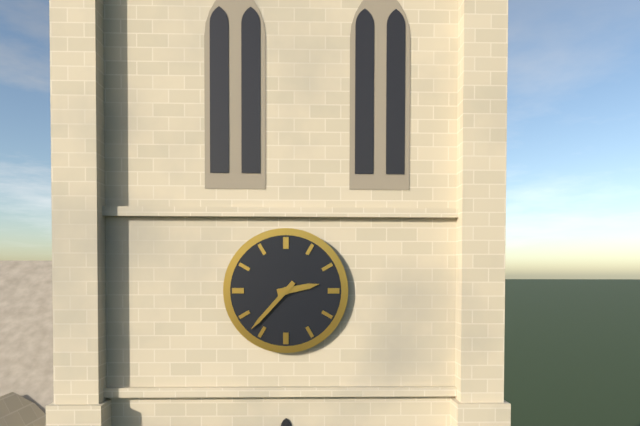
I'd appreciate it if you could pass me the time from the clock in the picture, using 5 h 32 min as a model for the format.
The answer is 2 h 37 min
